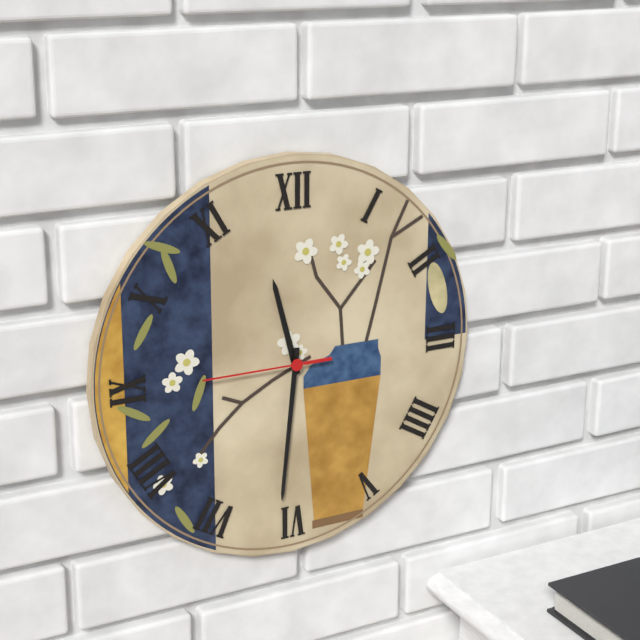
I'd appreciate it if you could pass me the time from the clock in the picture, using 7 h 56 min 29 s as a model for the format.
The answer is 11 h 31 min 45 s
